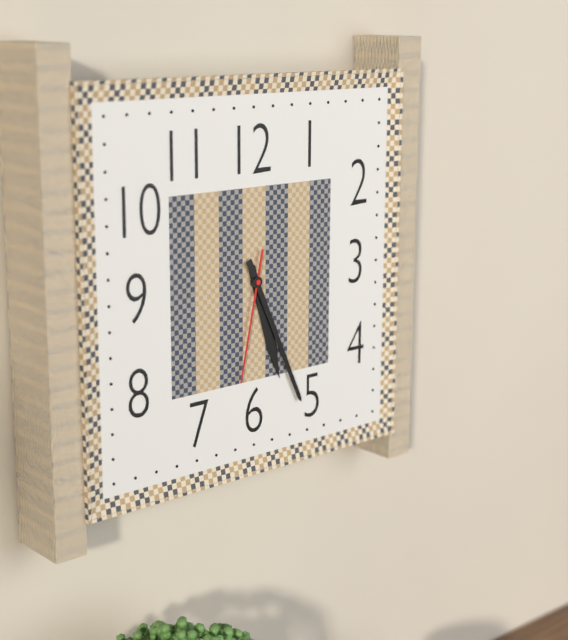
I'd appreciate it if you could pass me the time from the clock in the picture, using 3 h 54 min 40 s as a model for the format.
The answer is 5 h 26 min 32 s
